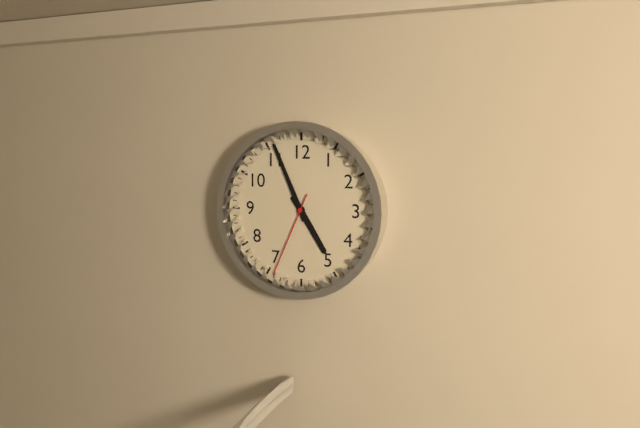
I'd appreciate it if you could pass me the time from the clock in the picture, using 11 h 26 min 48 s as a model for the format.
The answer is 4 h 56 min 34 s
